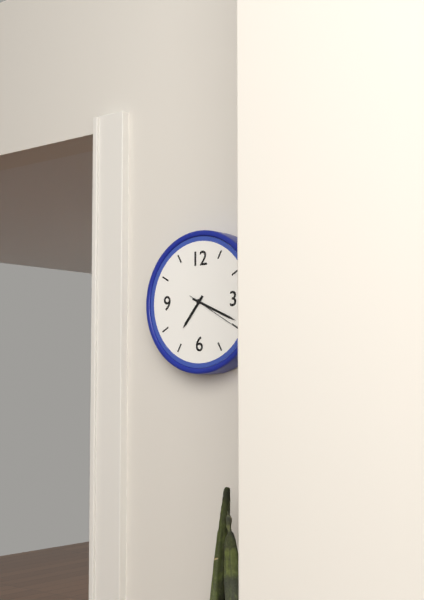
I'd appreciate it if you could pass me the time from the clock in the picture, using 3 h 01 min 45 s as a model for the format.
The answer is 7 h 19 min 20 s
